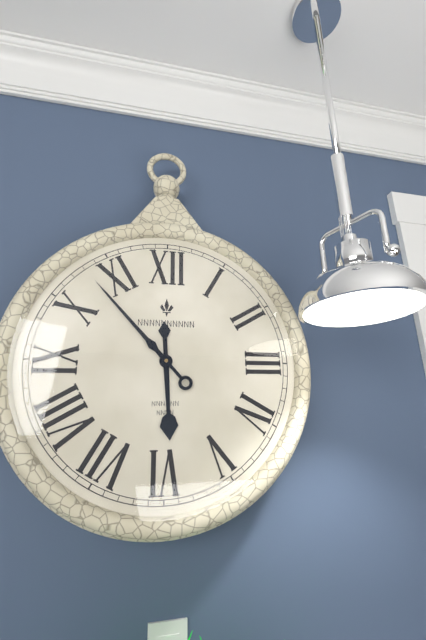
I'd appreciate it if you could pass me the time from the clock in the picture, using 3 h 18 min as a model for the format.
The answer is 5 h 53 min
